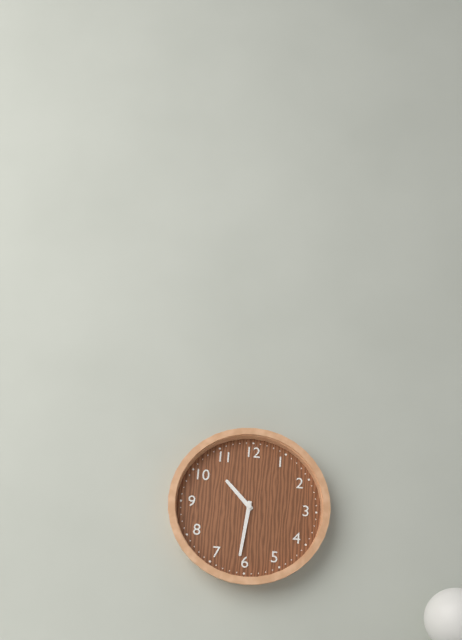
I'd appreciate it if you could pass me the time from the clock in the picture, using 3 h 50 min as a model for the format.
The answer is 10 h 31 min
